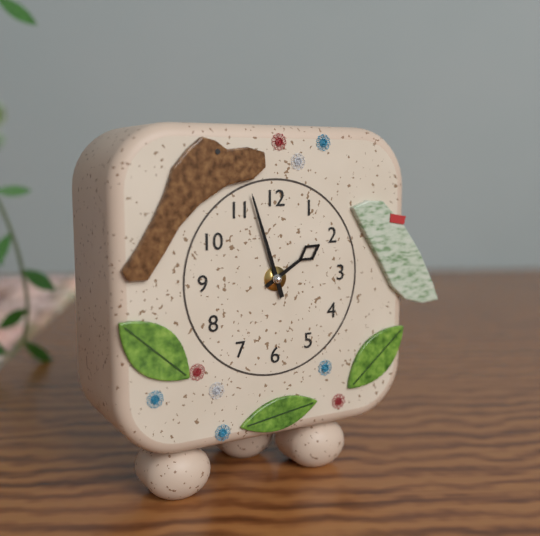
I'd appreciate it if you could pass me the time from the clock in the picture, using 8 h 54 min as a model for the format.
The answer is 1 h 57 min
